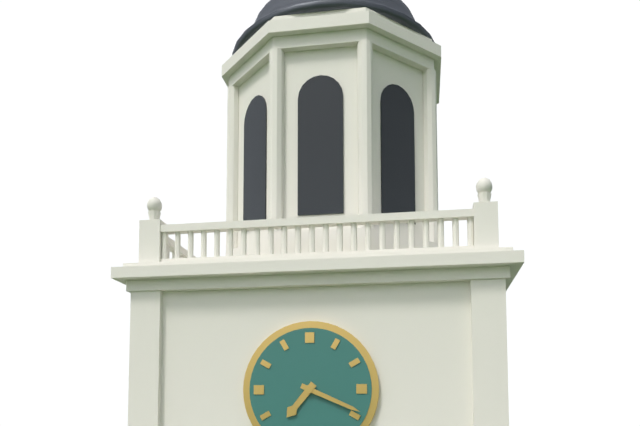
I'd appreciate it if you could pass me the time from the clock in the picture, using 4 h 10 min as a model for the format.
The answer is 7 h 19 min
